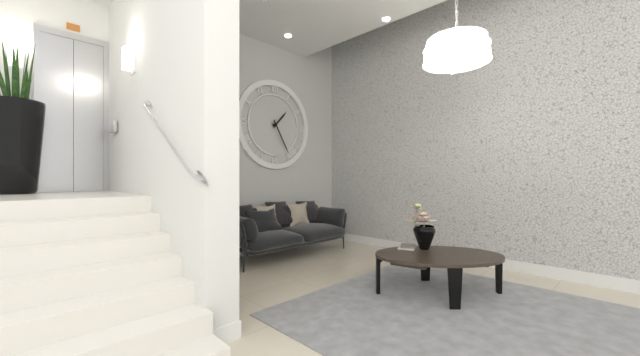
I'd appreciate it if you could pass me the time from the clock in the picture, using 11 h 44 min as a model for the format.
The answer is 1 h 25 min
